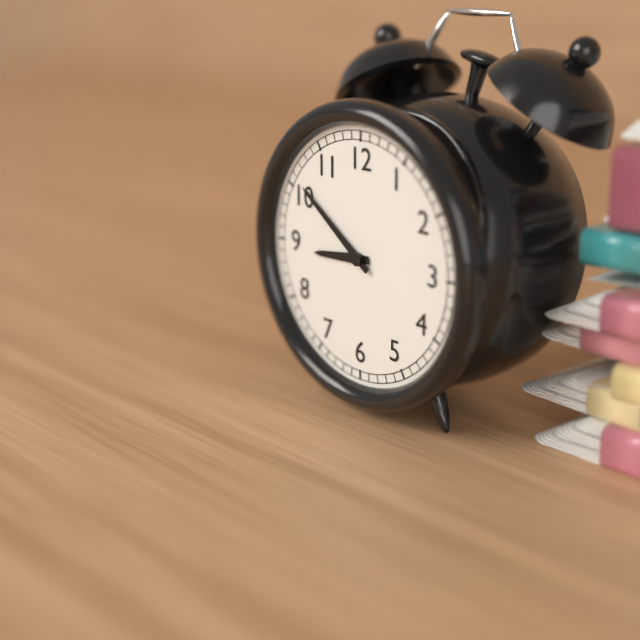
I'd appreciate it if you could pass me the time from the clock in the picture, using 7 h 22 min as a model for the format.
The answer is 8 h 51 min
